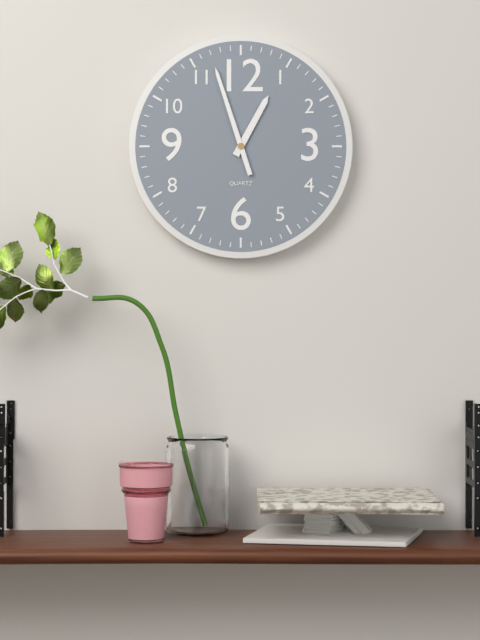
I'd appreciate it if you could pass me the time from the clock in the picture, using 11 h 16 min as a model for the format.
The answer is 12 h 57 min
